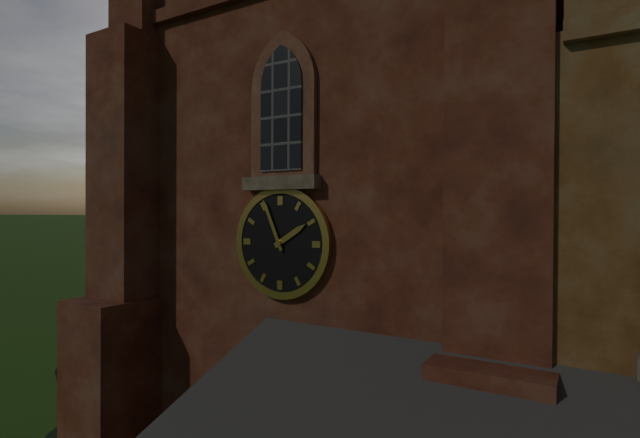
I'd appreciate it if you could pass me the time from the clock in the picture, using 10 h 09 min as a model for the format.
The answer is 1 h 56 min
